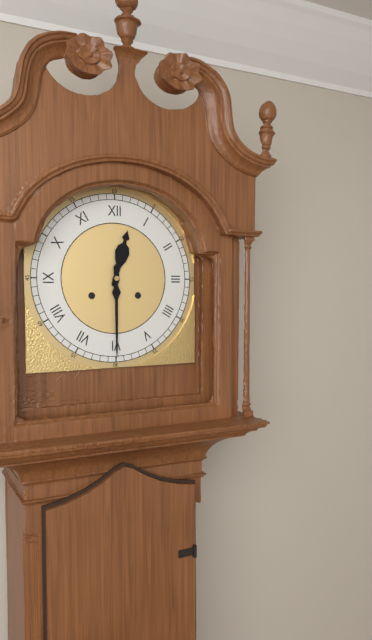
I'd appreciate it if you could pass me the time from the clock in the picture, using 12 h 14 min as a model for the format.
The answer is 12 h 30 min
